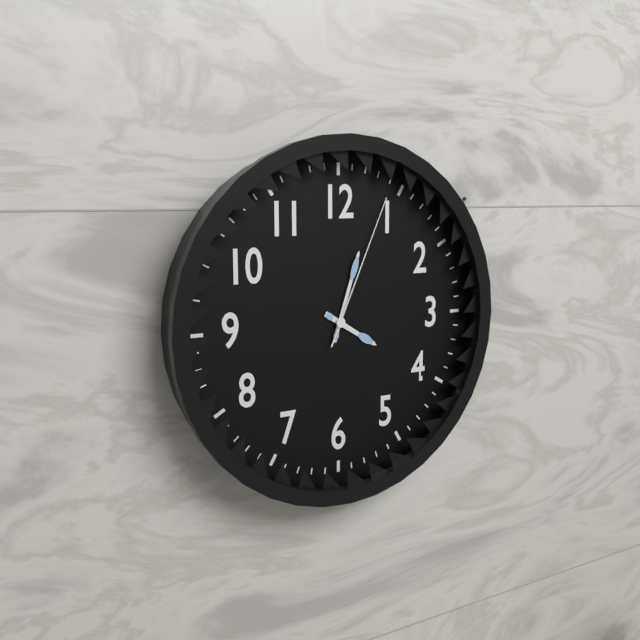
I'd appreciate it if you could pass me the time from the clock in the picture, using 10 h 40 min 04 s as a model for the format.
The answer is 4 h 03 min 04 s
